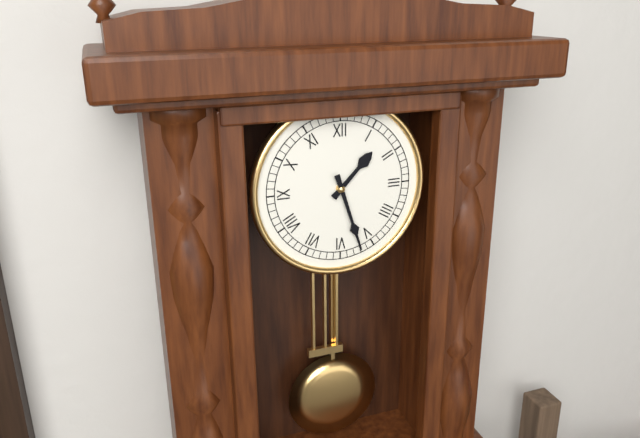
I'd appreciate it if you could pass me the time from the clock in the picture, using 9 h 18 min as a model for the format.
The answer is 1 h 27 min
